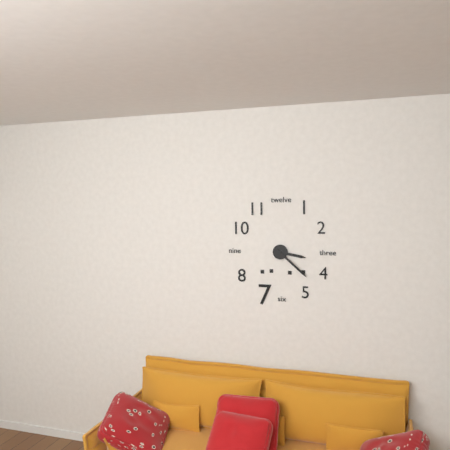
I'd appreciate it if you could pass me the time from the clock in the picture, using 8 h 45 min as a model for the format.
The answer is 3 h 22 min
